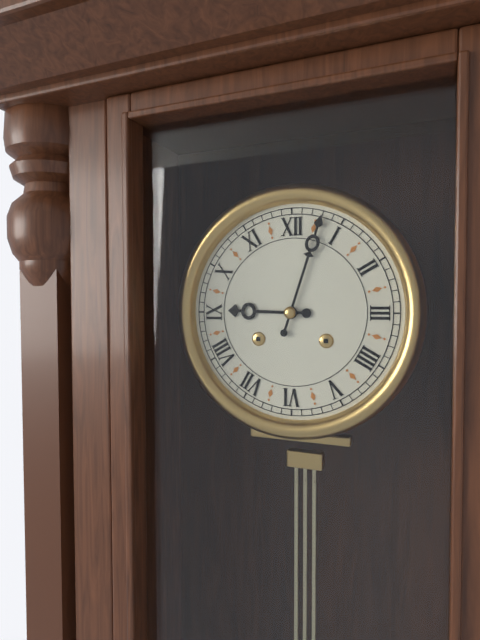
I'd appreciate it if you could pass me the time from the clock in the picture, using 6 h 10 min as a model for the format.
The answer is 9 h 03 min
